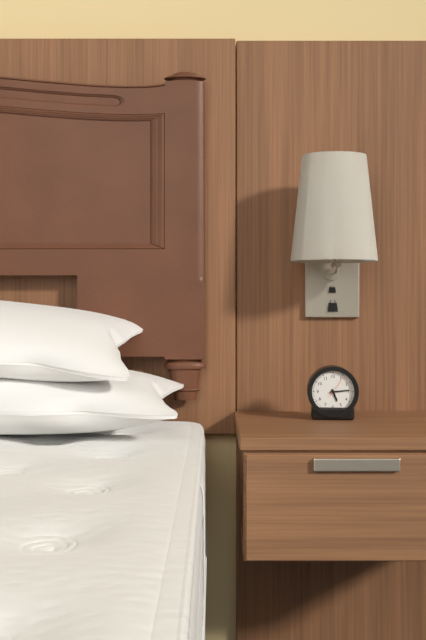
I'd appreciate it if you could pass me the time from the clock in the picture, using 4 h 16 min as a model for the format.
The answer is 5 h 14 min
